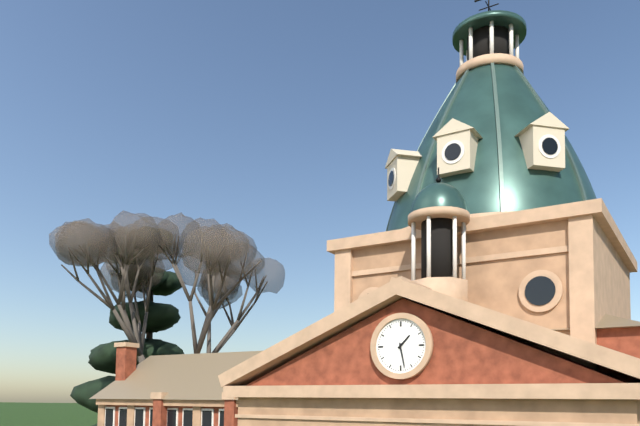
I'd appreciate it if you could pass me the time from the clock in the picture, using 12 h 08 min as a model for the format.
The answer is 1 h 28 min
